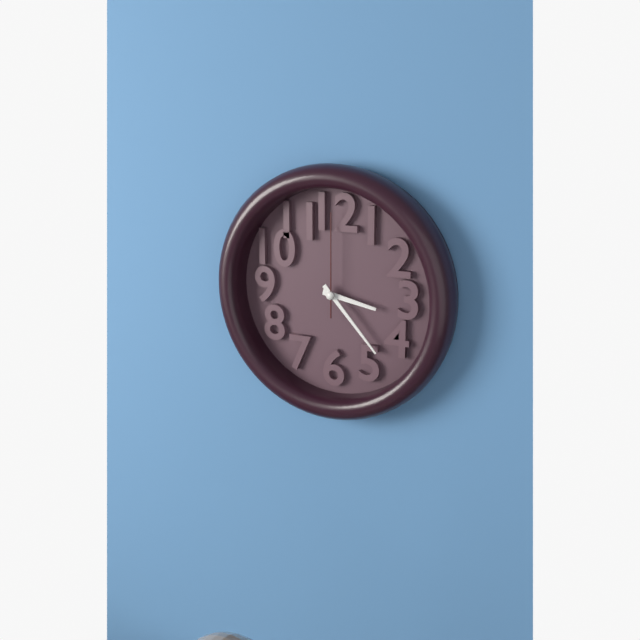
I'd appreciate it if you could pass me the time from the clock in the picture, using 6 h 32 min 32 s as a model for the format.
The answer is 3 h 23 min 00 s
